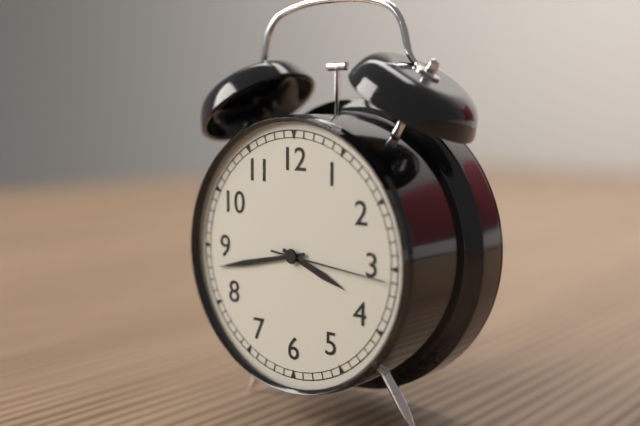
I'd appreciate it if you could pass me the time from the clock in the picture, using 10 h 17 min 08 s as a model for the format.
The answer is 3 h 43 min 16 s
